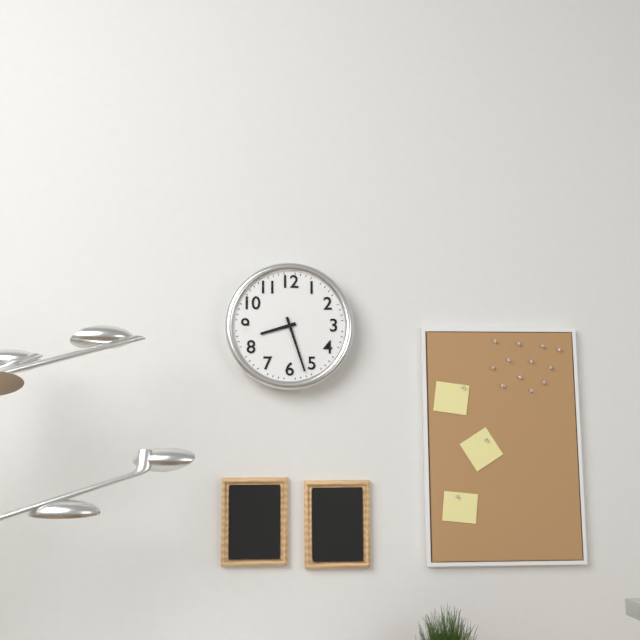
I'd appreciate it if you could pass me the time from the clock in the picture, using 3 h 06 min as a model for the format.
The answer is 8 h 27 min
